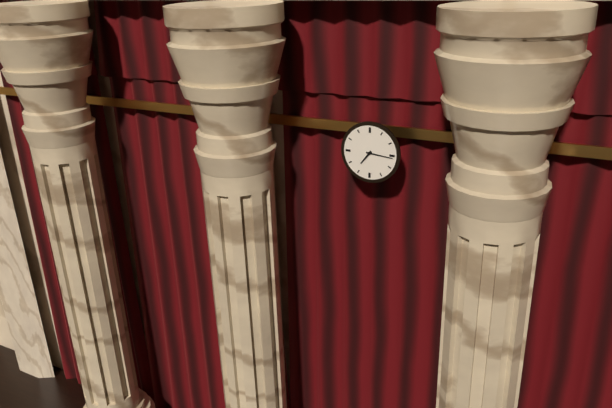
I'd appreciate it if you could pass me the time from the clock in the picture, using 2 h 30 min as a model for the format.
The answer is 7 h 16 min
